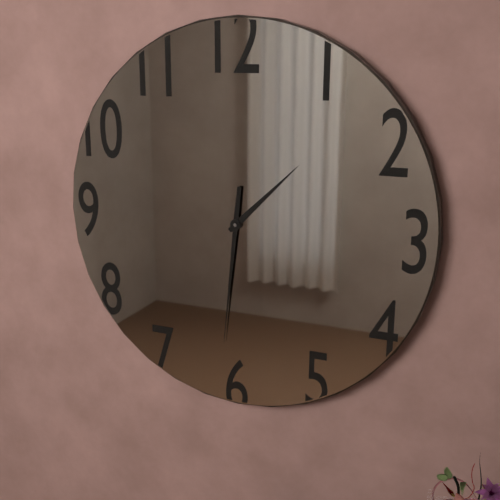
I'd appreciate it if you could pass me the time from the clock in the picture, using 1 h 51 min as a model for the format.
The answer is 1 h 31 min
